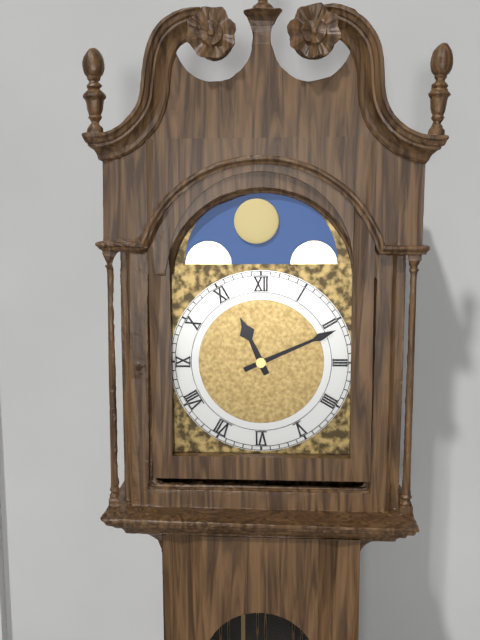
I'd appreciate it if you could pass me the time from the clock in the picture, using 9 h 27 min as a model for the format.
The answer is 11 h 11 min
